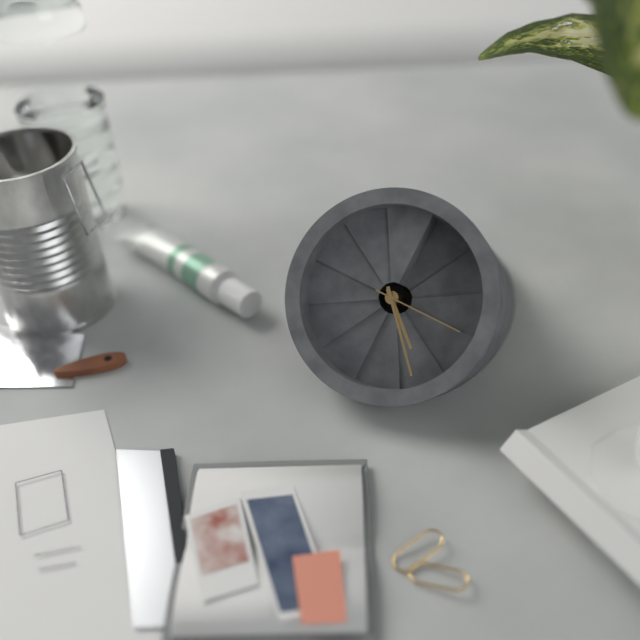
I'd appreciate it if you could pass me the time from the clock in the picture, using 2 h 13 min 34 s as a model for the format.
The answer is 4 h 23 min 15 s
